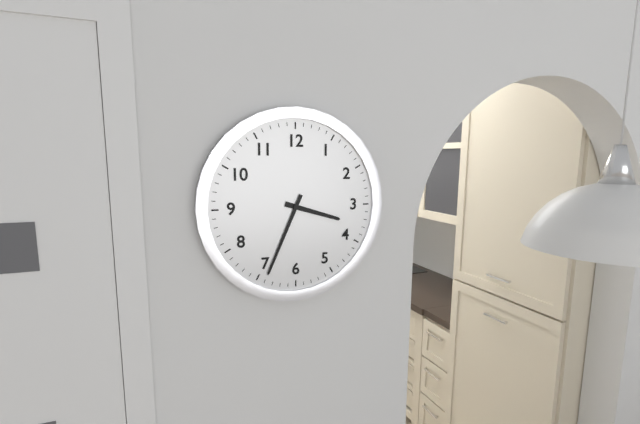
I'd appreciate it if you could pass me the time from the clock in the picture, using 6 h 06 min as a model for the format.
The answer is 3 h 34 min
